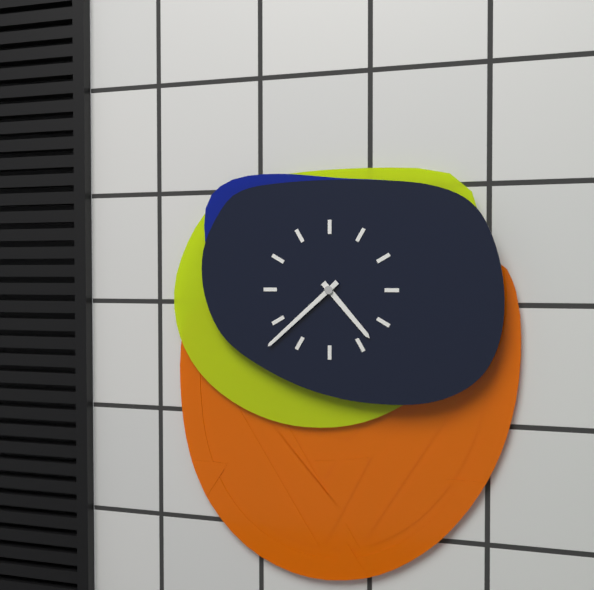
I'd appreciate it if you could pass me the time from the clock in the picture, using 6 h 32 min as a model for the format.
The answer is 4 h 38 min
